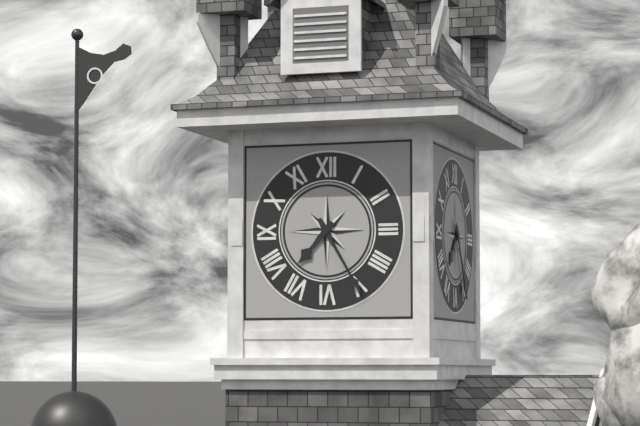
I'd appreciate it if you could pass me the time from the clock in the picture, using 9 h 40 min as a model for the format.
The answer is 7 h 25 min
